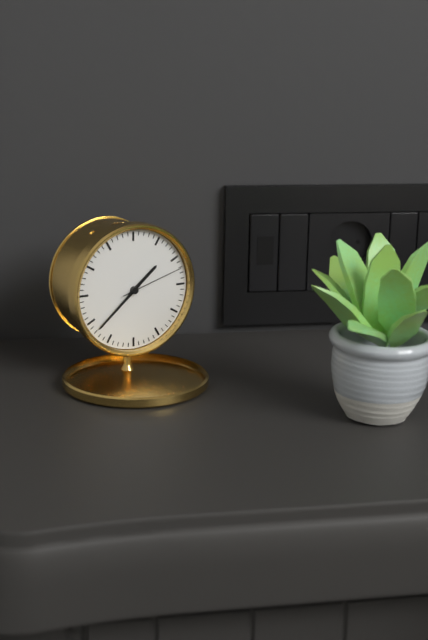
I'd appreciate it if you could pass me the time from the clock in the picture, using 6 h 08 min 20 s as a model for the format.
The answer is 1 h 38 min 12 s
